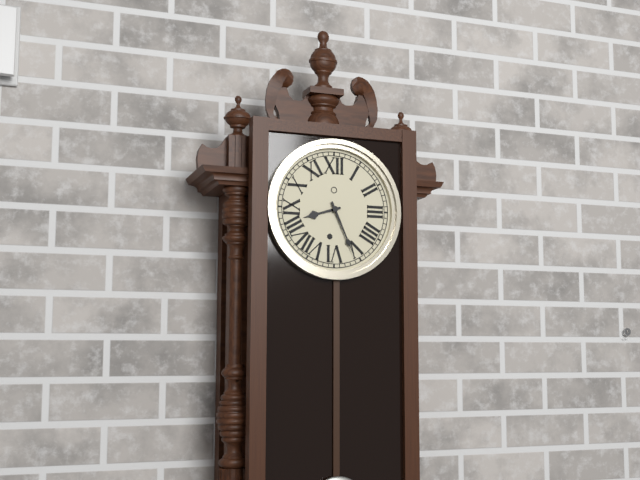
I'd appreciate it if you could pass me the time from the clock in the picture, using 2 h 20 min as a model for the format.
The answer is 8 h 26 min
